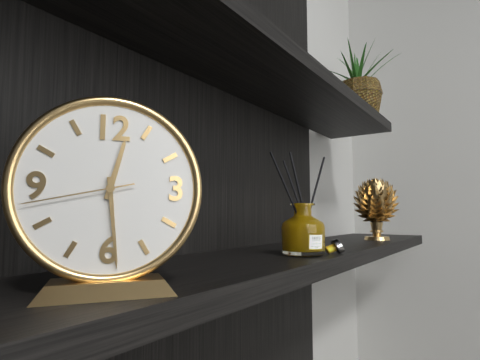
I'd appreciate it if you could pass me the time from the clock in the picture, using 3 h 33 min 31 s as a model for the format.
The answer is 12 h 29 min 43 s
